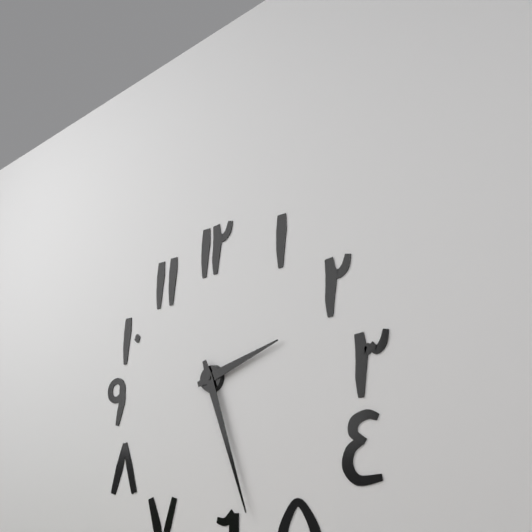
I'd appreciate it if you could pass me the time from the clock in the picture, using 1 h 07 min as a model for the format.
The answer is 2 h 27 min
